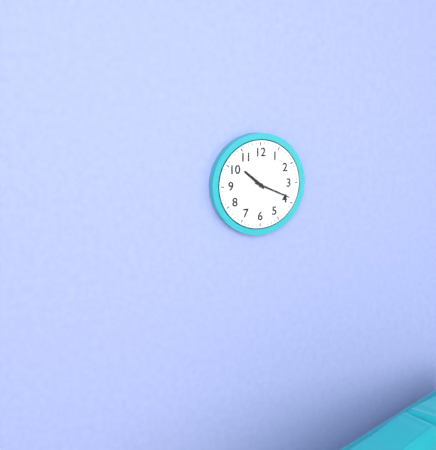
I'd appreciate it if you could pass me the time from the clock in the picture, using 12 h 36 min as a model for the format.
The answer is 10 h 19 min
